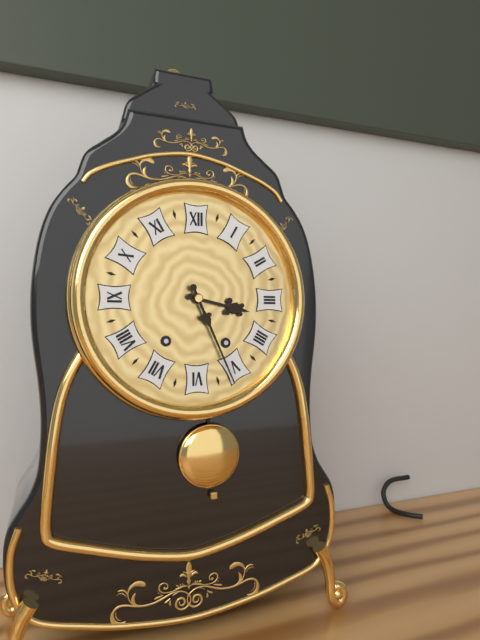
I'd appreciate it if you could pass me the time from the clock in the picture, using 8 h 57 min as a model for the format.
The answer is 3 h 26 min
